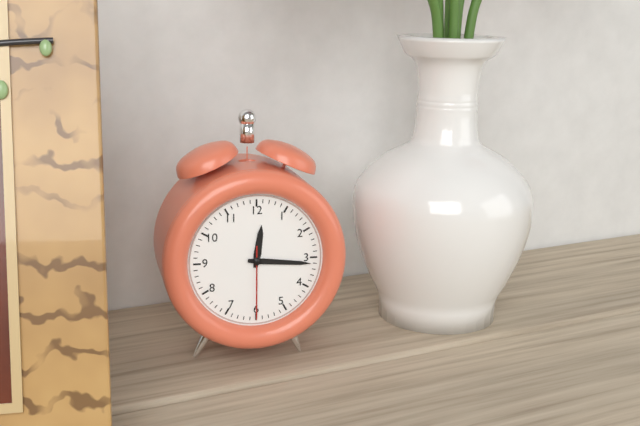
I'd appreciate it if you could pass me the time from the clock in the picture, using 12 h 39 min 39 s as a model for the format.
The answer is 12 h 16 min 30 s
